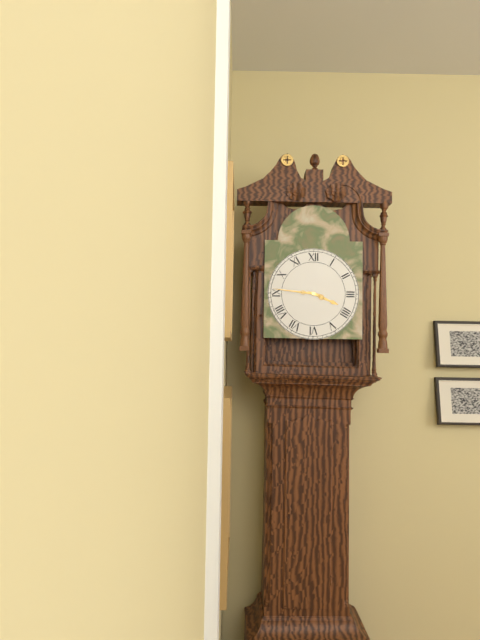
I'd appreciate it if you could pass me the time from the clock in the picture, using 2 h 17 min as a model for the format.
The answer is 3 h 46 min
